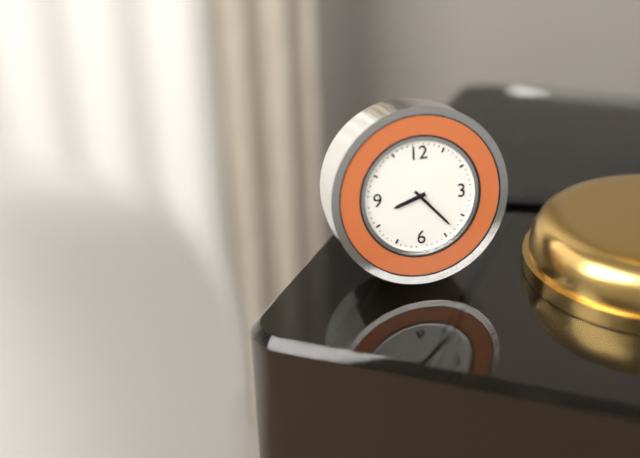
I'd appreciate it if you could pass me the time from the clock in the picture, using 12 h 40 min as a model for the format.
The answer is 8 h 23 min
